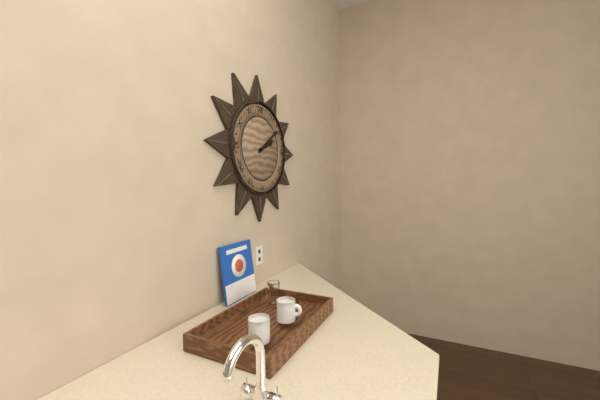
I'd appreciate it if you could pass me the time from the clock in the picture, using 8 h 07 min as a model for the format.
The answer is 2 h 09 min
